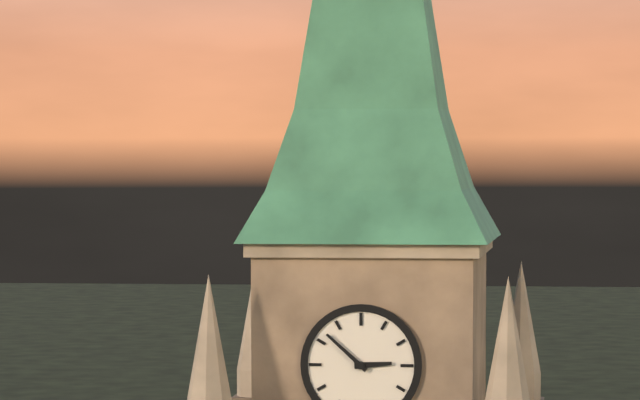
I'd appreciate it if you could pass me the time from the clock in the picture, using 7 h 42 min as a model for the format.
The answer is 2 h 52 min
